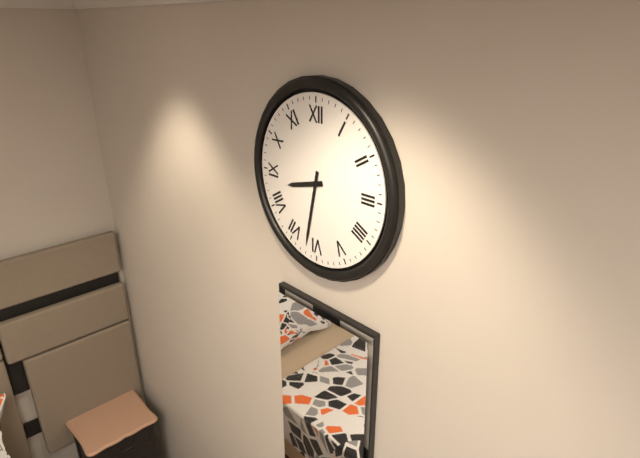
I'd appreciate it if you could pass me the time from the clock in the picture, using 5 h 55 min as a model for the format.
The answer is 8 h 32 min
